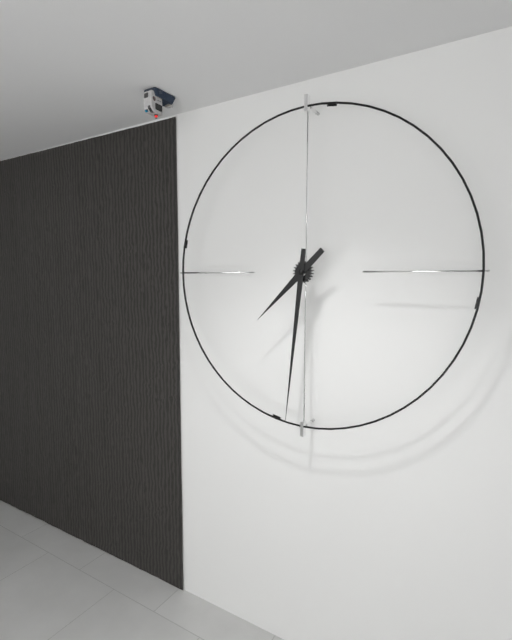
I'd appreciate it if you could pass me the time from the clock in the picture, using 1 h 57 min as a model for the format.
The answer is 7 h 31 min
